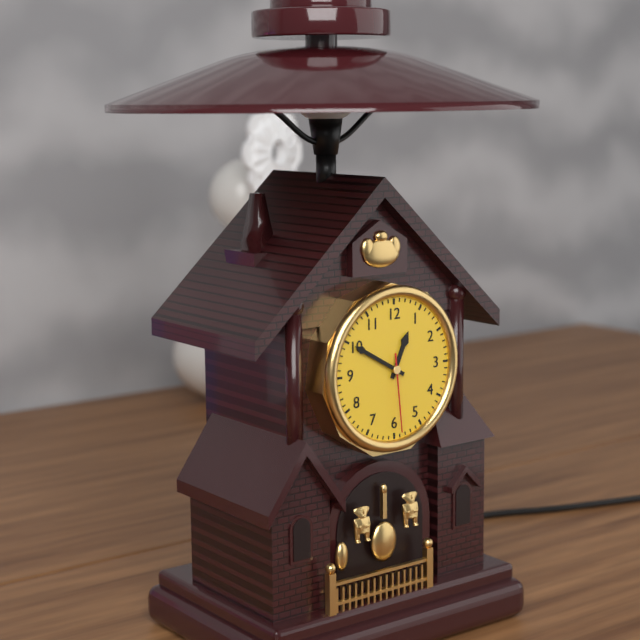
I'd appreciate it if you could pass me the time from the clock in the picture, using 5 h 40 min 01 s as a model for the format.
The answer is 12 h 50 min 29 s
